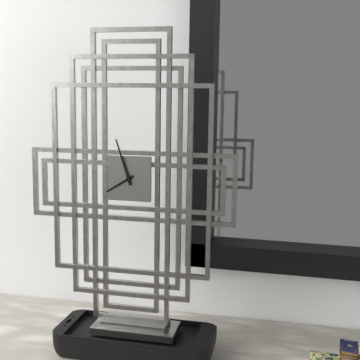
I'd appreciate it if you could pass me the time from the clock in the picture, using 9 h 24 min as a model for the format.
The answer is 7 h 57 min
